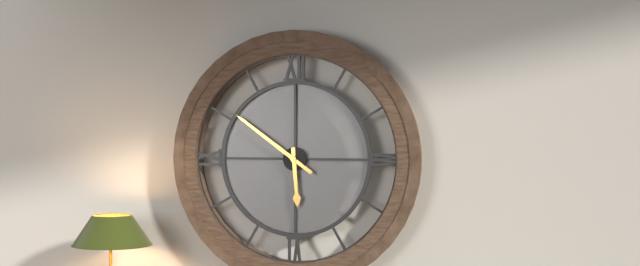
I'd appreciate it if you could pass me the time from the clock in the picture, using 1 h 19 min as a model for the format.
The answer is 5 h 51 min
